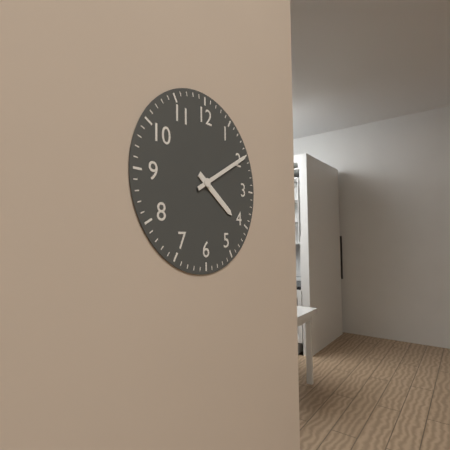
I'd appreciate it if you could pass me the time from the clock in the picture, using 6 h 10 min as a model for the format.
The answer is 4 h 10 min
